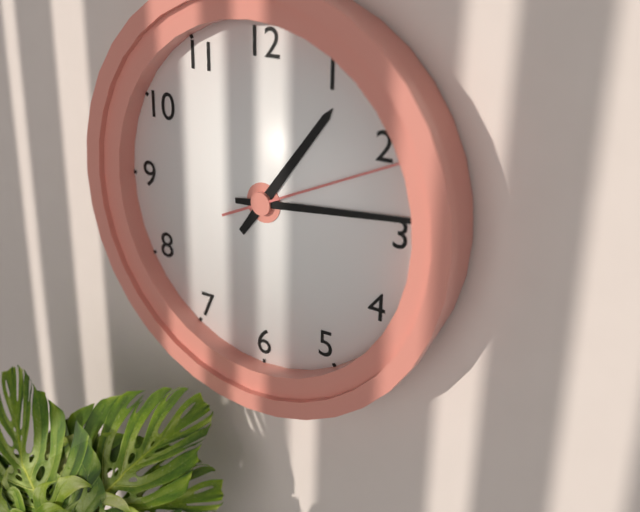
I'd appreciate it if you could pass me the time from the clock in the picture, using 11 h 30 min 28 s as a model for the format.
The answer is 1 h 14 min 11 s
